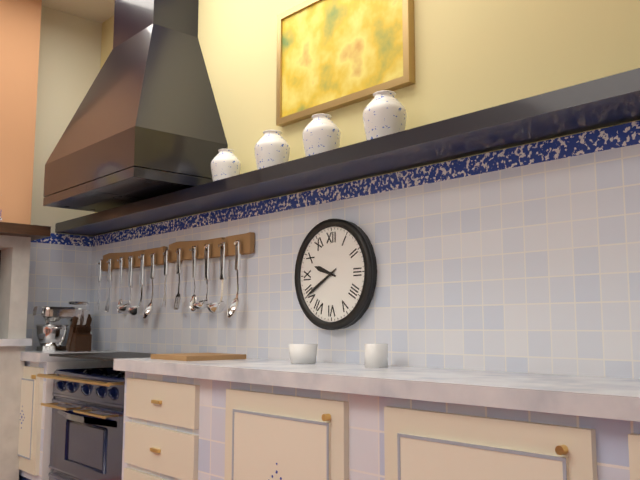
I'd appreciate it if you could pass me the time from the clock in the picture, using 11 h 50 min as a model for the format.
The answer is 9 h 40 min
